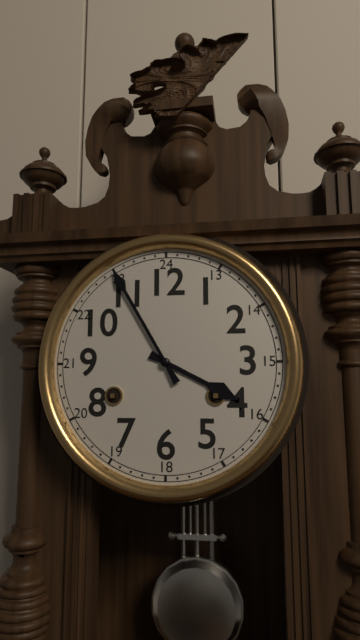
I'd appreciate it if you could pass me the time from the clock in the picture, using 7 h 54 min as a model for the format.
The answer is 3 h 55 min
